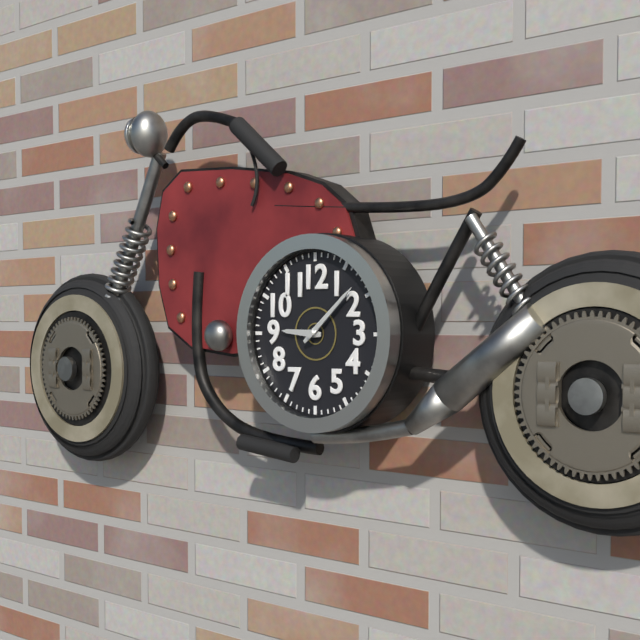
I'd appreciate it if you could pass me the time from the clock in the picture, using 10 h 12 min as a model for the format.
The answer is 9 h 08 min
